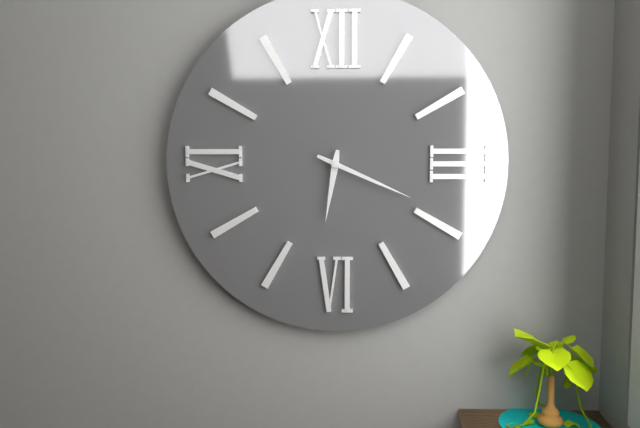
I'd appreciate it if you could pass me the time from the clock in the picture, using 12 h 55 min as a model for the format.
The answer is 6 h 19 min
